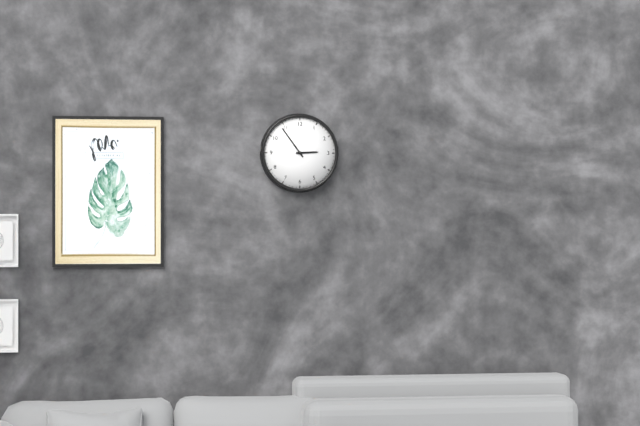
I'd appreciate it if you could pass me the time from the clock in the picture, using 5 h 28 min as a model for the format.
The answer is 2 h 54 min
